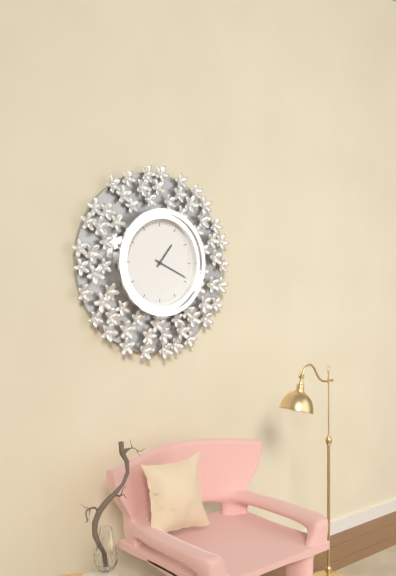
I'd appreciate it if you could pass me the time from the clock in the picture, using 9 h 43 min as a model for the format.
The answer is 1 h 19 min
